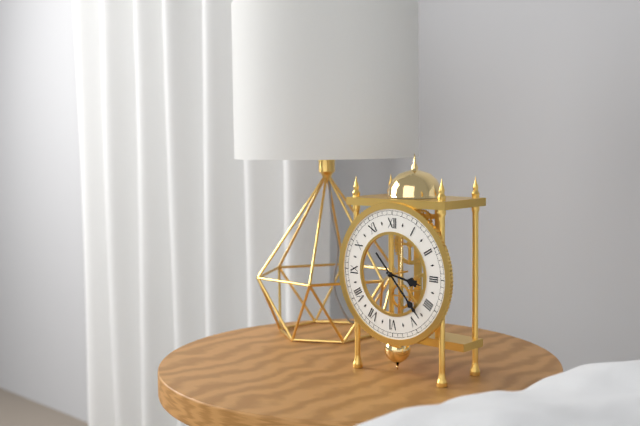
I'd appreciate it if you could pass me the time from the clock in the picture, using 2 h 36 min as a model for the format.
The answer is 3 h 23 min
